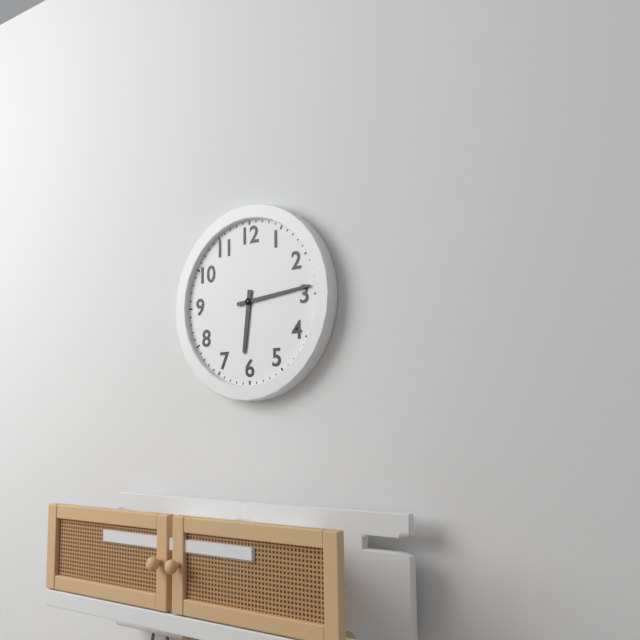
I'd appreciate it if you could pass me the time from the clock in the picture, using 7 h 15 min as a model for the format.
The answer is 6 h 14 min
